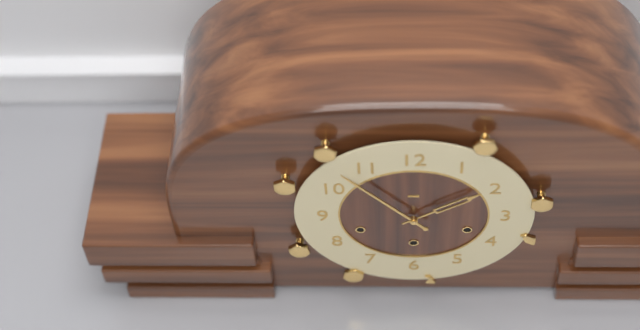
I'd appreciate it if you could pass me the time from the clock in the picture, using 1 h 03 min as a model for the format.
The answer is 1 h 53 min
